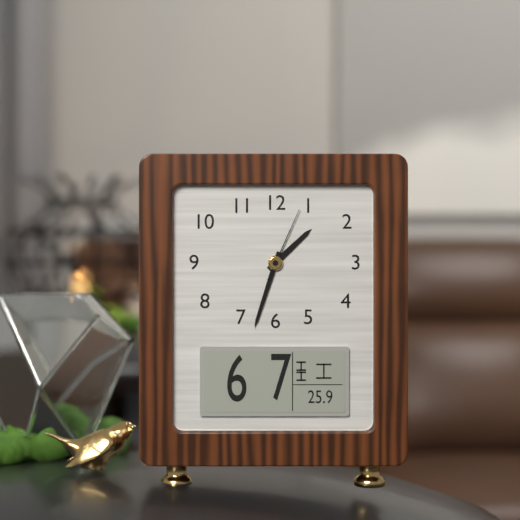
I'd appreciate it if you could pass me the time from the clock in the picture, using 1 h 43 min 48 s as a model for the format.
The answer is 1 h 33 min 04 s
